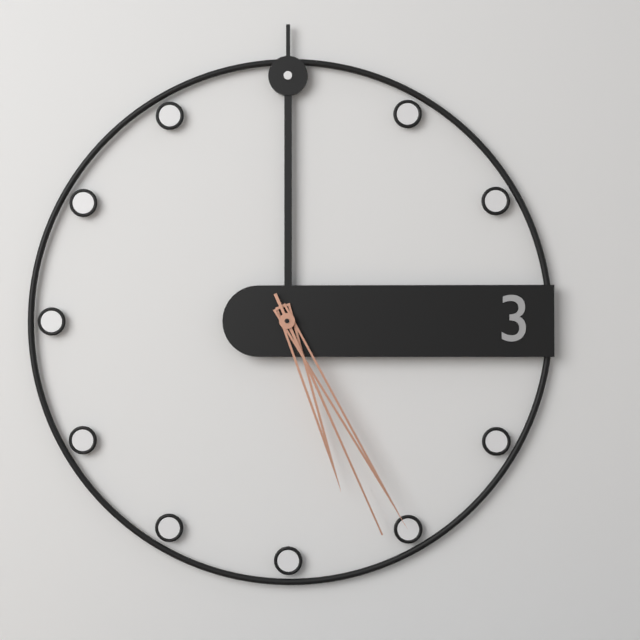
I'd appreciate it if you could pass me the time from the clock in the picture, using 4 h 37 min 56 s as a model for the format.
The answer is 5 h 25 min 26 s
